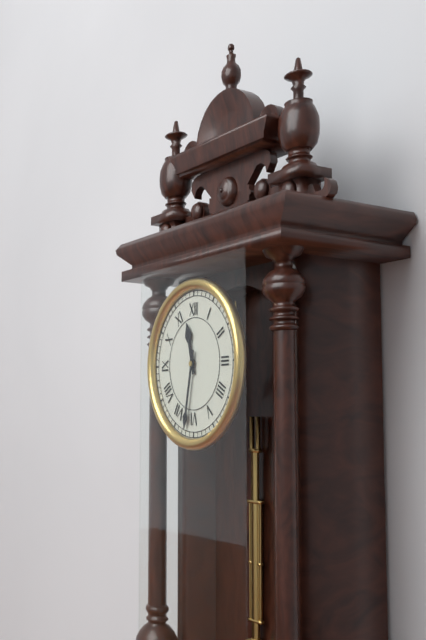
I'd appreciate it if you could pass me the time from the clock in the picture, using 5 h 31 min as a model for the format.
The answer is 11 h 32 min
